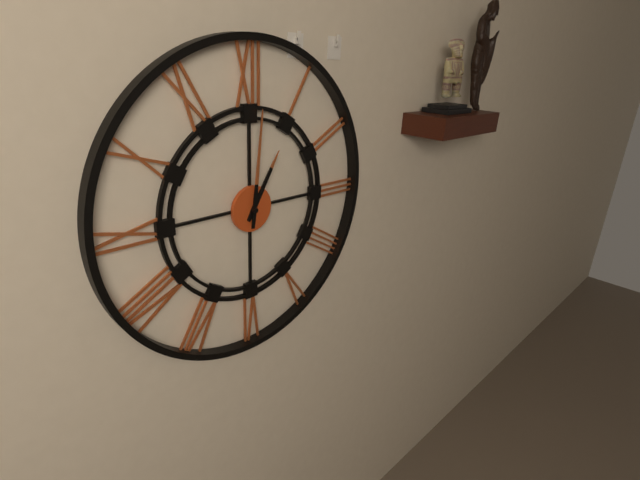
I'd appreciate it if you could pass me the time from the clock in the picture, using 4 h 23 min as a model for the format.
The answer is 1 h 01 min
